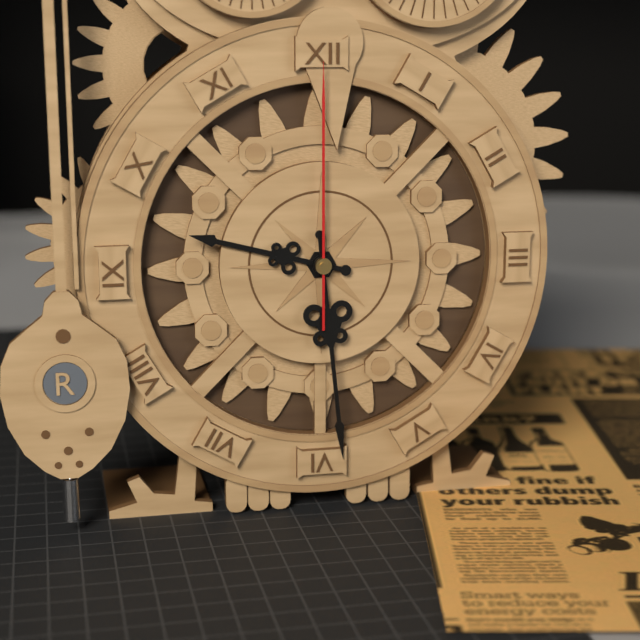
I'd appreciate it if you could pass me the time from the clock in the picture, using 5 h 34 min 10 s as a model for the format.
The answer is 9 h 29 min 00 s
